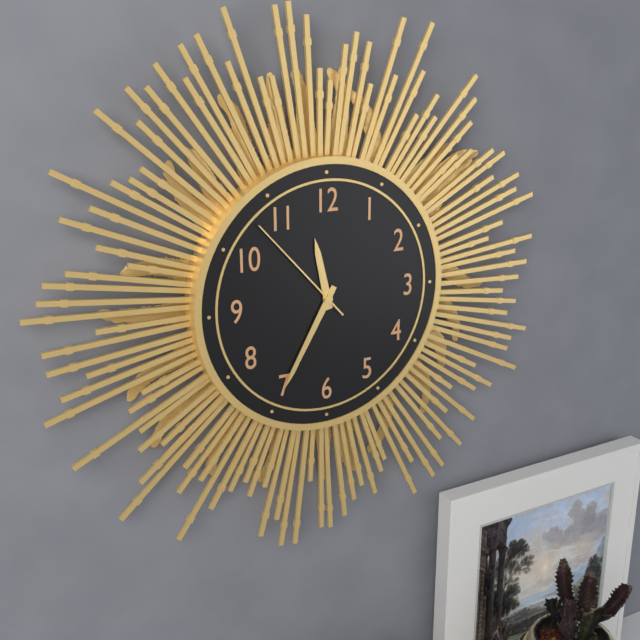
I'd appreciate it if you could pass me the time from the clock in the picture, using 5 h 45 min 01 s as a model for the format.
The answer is 11 h 35 min 53 s
